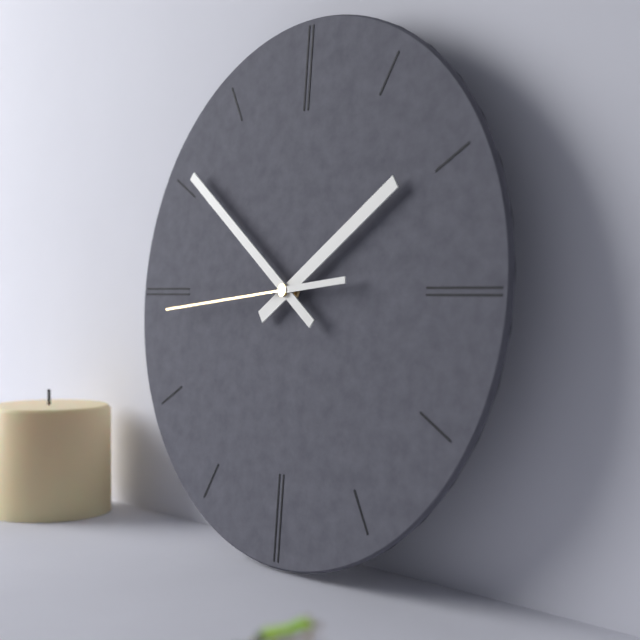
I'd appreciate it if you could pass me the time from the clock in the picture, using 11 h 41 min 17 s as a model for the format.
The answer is 1 h 51 min 44 s
